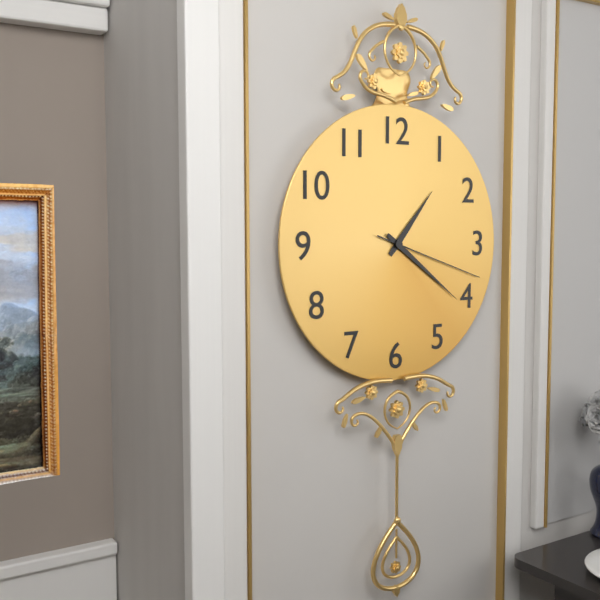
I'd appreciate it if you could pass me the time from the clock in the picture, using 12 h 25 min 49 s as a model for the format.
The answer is 1 h 21 min 18 s
